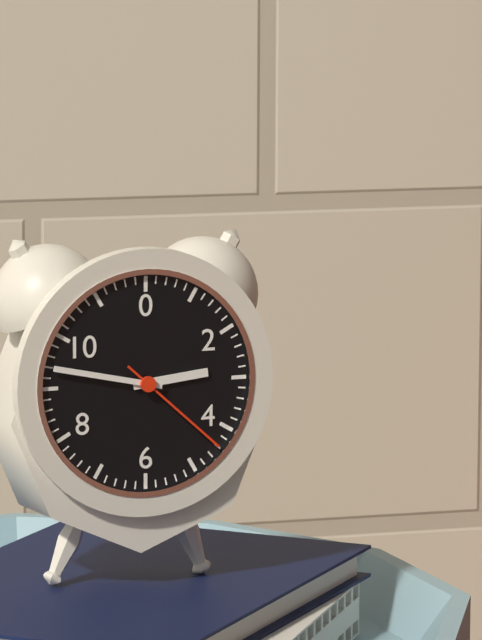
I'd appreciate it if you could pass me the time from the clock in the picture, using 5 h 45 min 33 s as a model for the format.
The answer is 2 h 47 min 22 s
